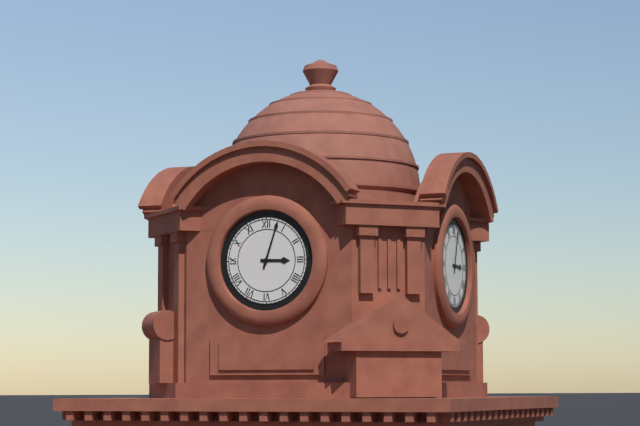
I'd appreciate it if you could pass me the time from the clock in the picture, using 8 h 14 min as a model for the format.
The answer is 3 h 03 min
